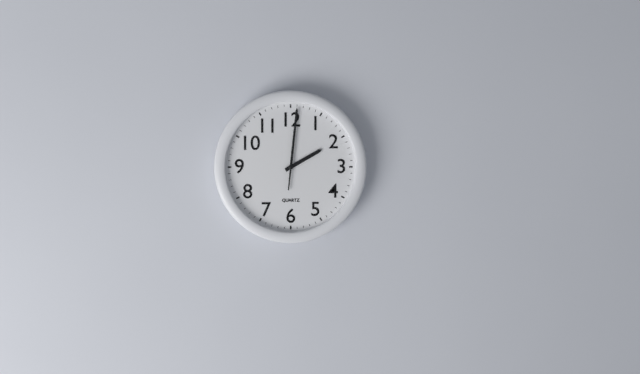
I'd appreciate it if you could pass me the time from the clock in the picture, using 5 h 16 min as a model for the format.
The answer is 2 h 01 min
